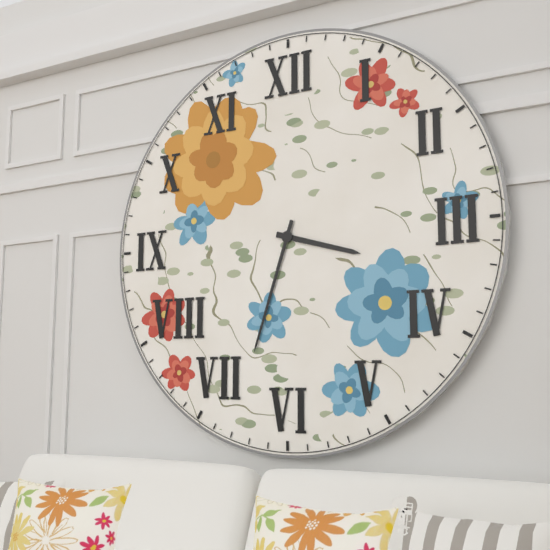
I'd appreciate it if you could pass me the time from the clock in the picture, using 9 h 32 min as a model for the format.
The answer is 3 h 33 min
